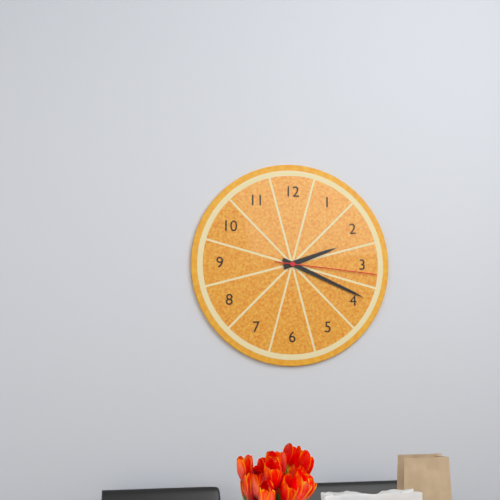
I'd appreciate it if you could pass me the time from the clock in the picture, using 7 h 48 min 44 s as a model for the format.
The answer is 2 h 19 min 16 s
